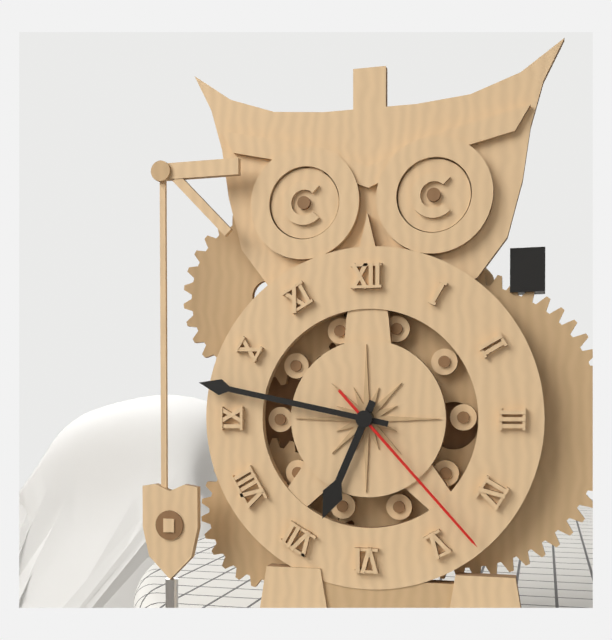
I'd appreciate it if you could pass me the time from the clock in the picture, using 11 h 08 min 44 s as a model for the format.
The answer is 6 h 47 min 23 s
